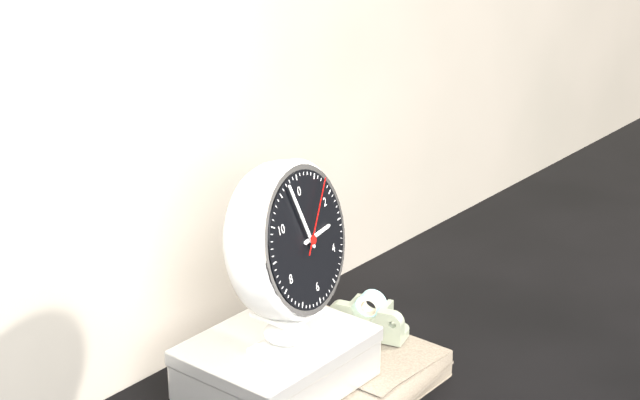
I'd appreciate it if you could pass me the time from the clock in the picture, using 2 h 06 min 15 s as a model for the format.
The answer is 2 h 57 min 07 s
